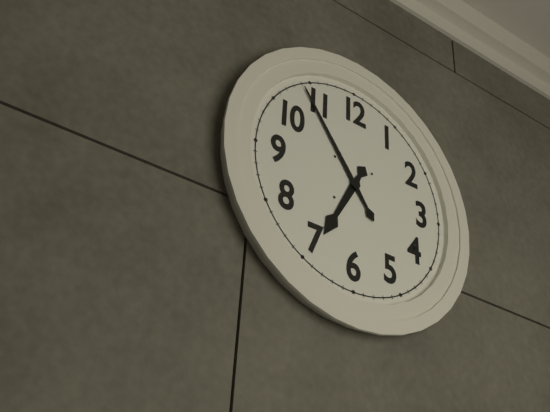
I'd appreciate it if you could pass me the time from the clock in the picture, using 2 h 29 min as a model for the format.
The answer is 6 h 54 min
